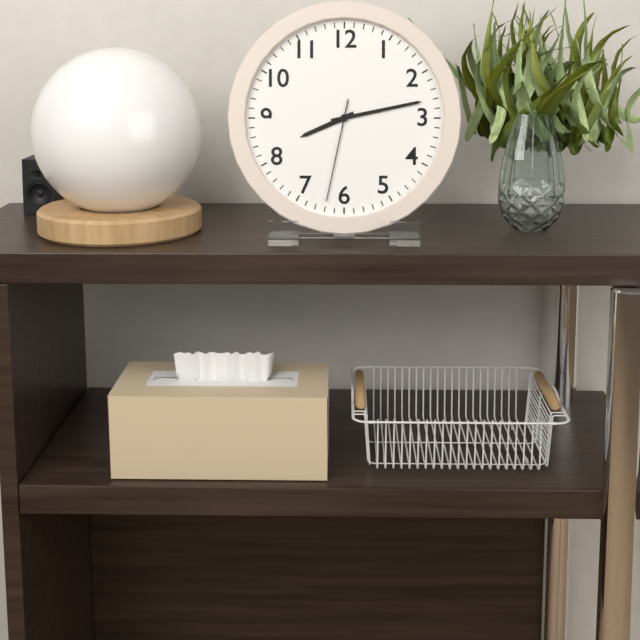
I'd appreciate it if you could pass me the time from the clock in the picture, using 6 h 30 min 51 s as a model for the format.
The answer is 8 h 13 min 32 s
